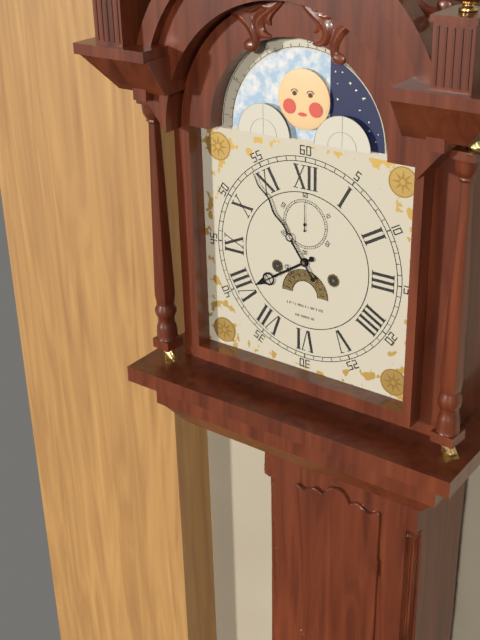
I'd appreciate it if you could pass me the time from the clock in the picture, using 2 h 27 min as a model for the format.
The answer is 7 h 54 min
